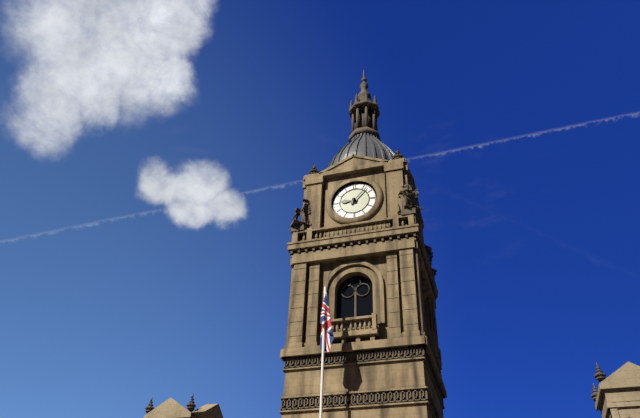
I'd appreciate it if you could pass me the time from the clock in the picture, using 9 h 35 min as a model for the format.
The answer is 9 h 07 min
